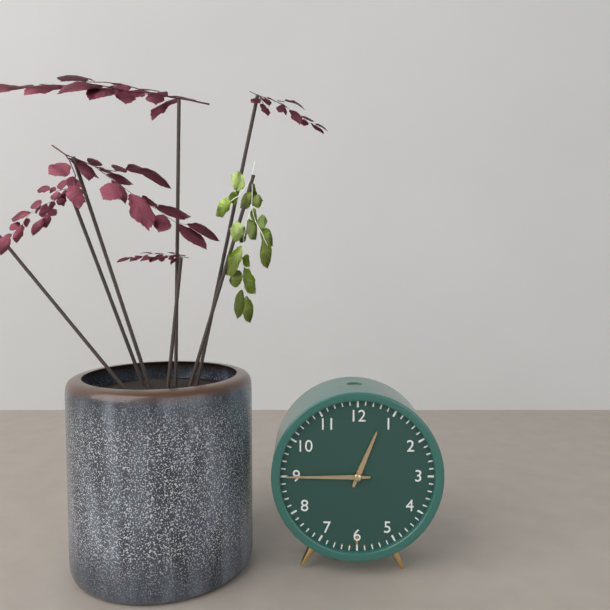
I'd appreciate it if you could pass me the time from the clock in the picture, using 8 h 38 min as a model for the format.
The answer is 12 h 45 min
